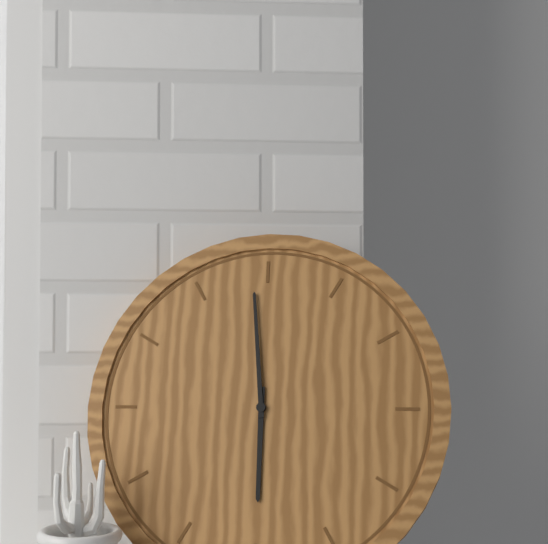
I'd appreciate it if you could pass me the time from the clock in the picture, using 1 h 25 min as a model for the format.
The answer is 5 h 59 min
